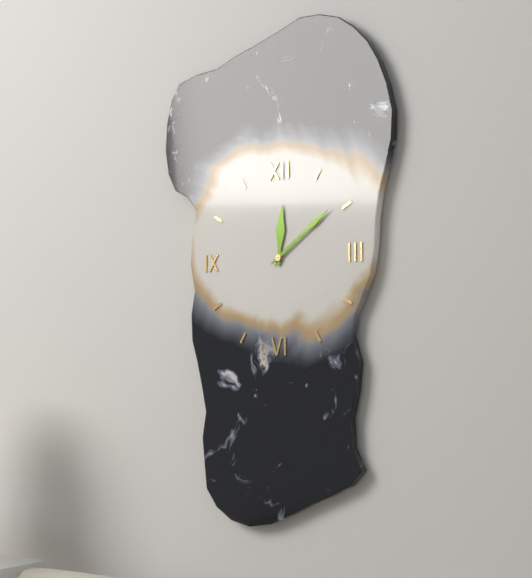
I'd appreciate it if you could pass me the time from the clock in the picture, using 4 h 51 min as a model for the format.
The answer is 12 h 09 min
